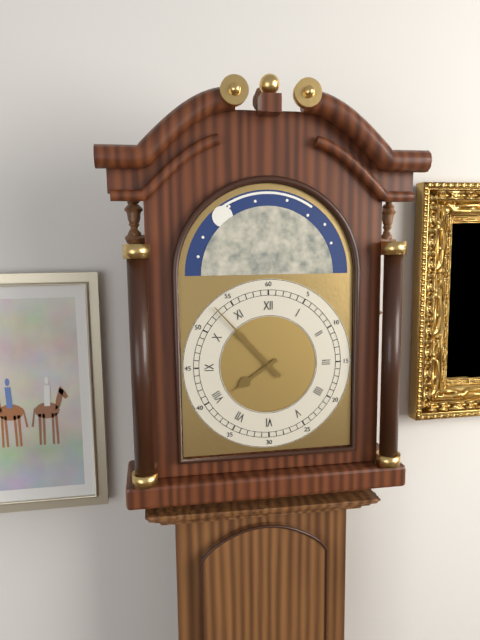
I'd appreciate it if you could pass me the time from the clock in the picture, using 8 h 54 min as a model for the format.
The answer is 7 h 53 min
